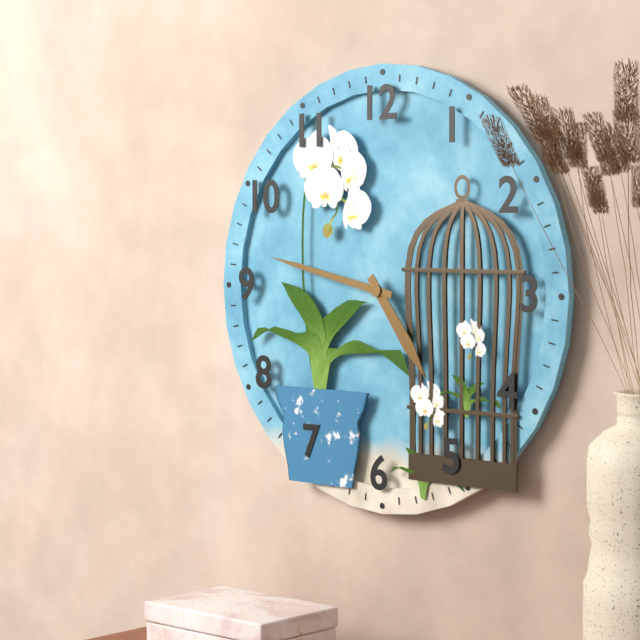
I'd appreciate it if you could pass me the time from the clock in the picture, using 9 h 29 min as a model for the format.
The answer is 4 h 47 min
